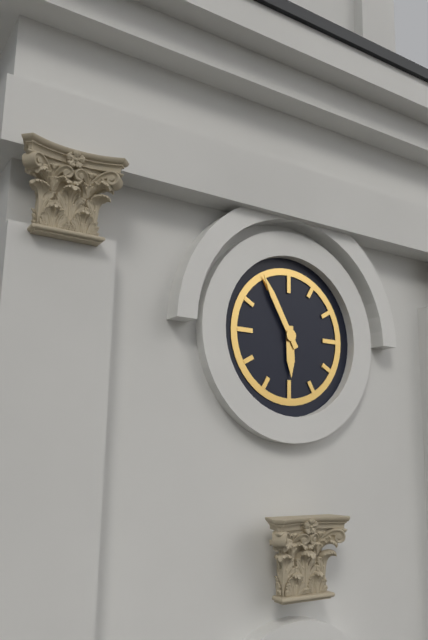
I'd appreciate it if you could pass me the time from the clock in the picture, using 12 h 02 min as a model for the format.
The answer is 5 h 55 min
